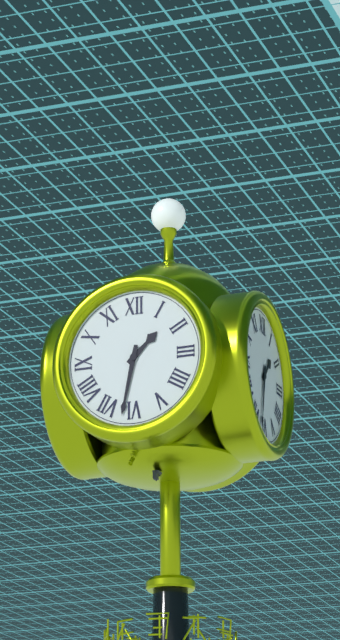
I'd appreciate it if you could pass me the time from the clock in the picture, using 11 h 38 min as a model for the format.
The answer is 1 h 32 min
